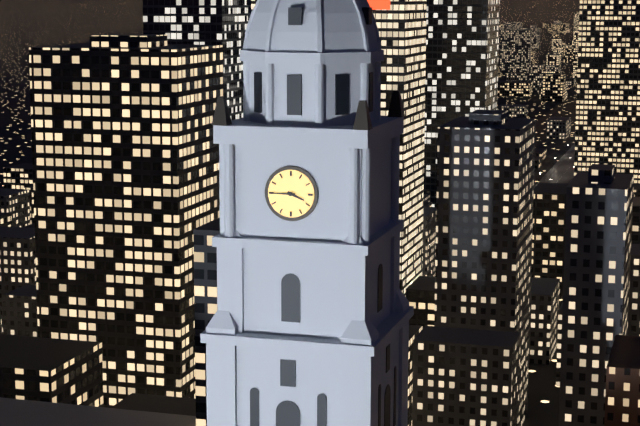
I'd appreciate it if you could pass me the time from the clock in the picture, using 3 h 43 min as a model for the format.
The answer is 3 h 45 min
